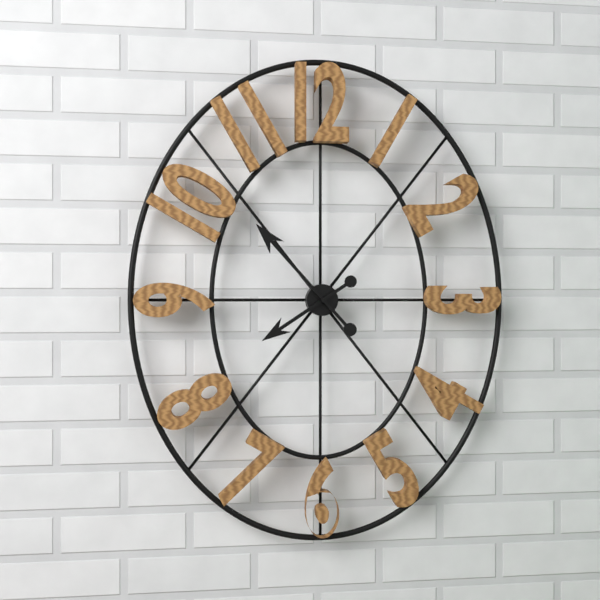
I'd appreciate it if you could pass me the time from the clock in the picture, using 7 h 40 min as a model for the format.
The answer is 7 h 53 min
